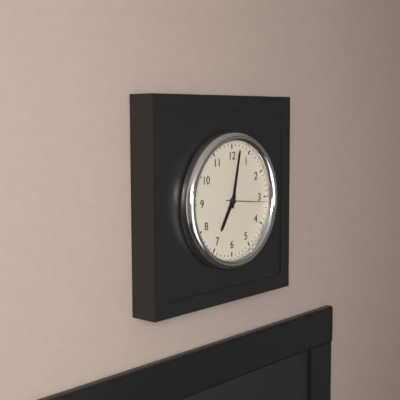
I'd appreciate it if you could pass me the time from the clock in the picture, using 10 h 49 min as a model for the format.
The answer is 7 h 02 min
